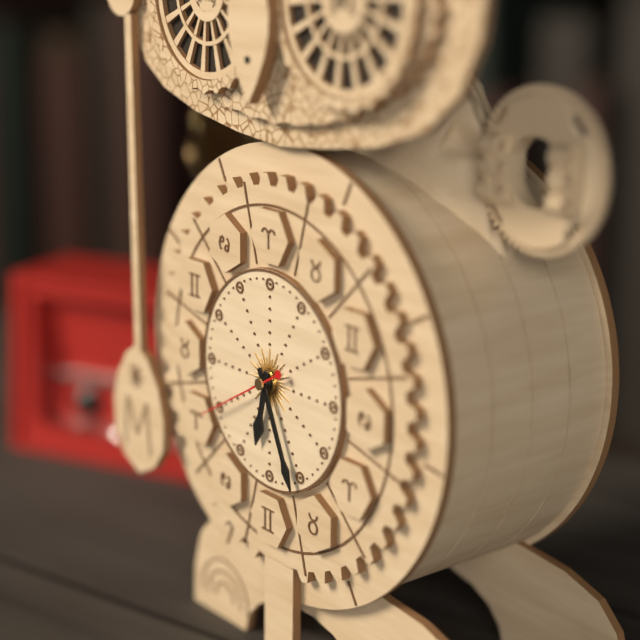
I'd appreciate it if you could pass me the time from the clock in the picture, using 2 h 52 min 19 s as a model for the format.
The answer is 6 h 26 min 40 s
